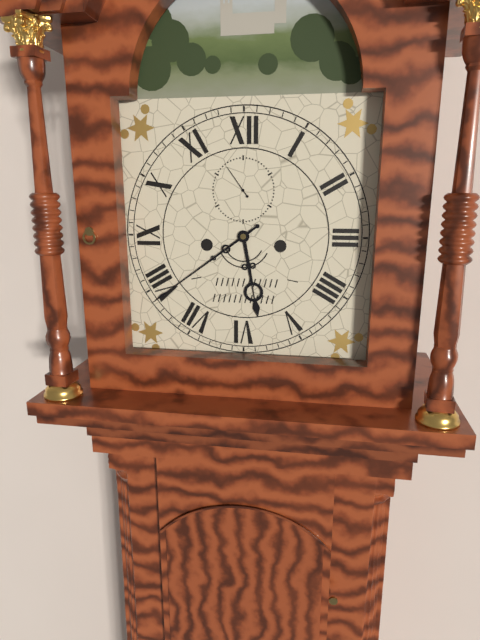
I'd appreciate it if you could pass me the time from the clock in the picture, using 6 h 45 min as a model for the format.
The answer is 5 h 39 min
